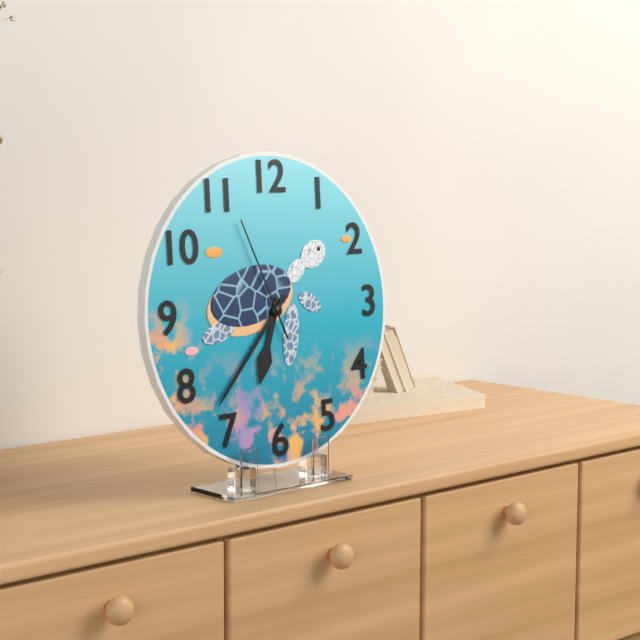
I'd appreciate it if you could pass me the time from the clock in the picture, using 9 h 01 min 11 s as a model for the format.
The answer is 6 h 37 min 56 s
